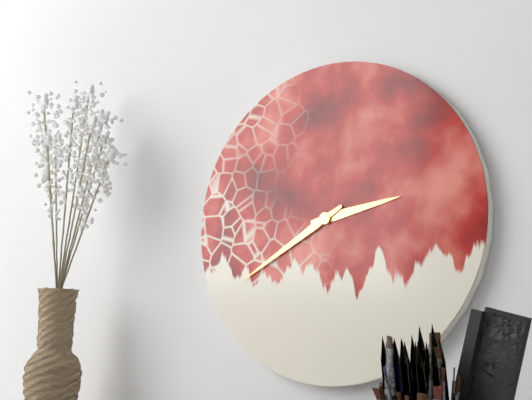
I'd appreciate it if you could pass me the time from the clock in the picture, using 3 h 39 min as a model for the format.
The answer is 2 h 40 min
